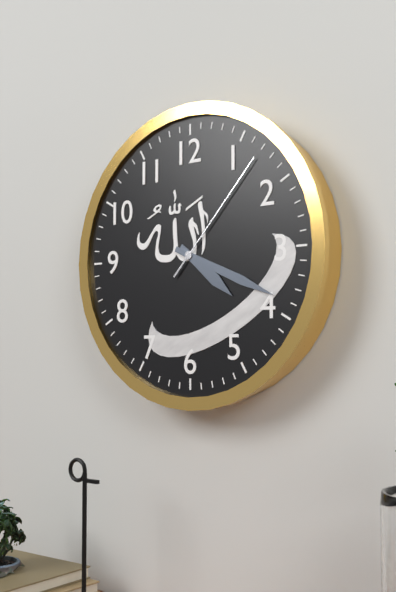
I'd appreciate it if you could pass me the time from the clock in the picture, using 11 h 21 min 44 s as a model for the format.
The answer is 4 h 19 min 07 s
